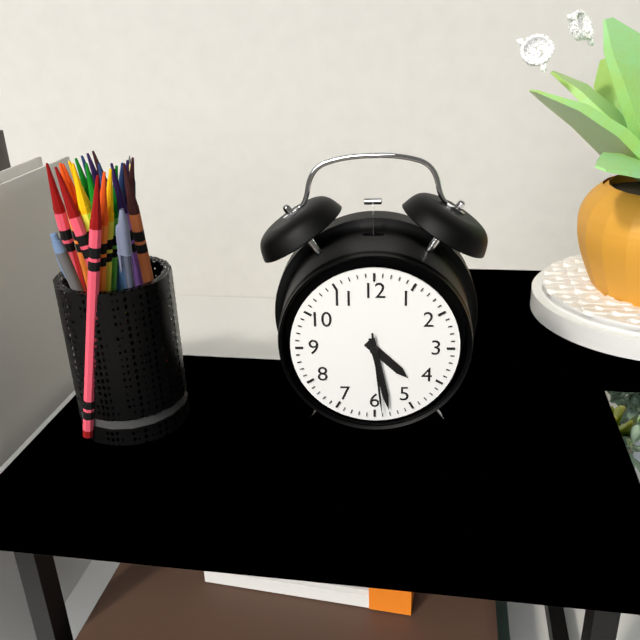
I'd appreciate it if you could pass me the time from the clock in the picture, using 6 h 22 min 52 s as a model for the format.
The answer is 4 h 28 min 29 s
